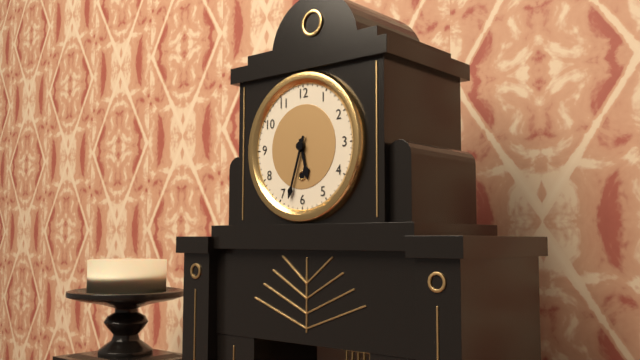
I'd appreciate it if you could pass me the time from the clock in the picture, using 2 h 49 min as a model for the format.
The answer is 5 h 33 min
